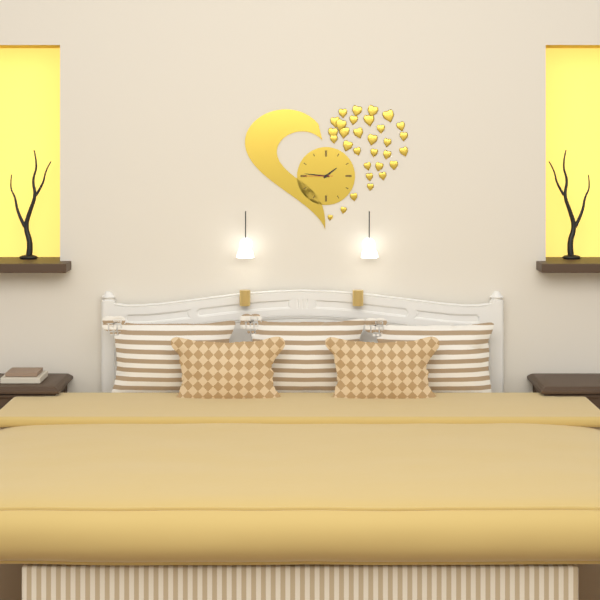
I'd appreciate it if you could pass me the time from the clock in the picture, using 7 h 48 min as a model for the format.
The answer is 1 h 46 min
